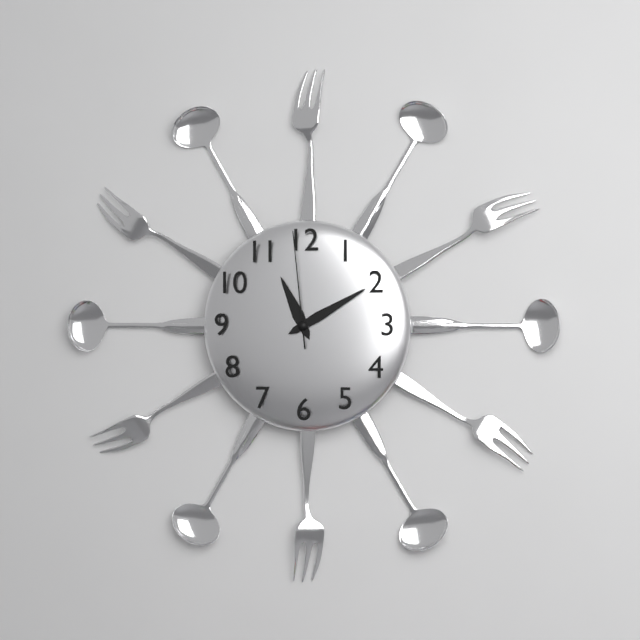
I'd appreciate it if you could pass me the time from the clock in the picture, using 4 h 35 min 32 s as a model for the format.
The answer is 11 h 10 min 59 s
